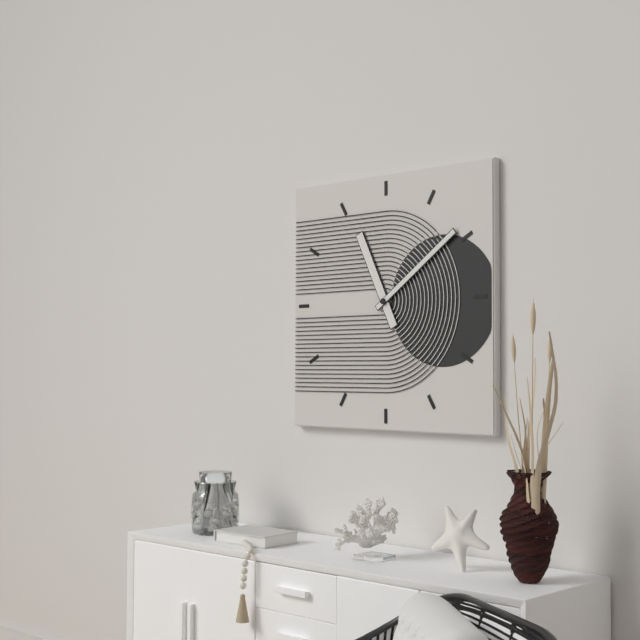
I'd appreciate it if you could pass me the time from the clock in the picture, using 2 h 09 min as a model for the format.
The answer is 11 h 09 min
